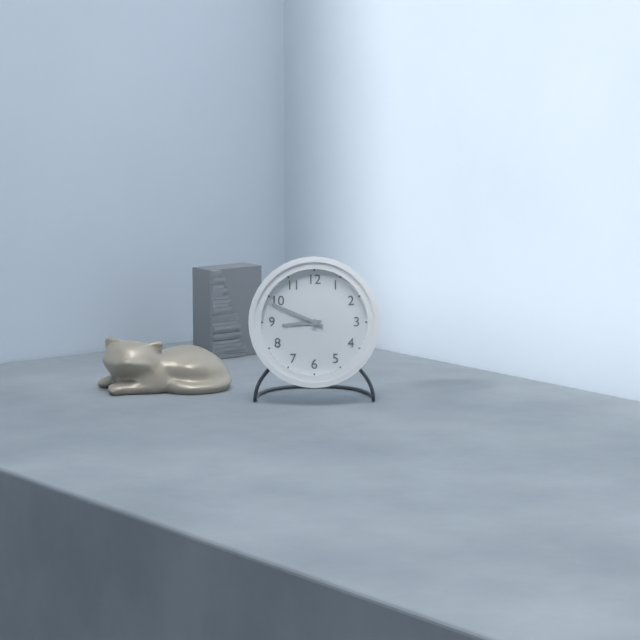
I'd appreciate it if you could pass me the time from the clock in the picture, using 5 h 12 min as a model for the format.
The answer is 8 h 49 min
